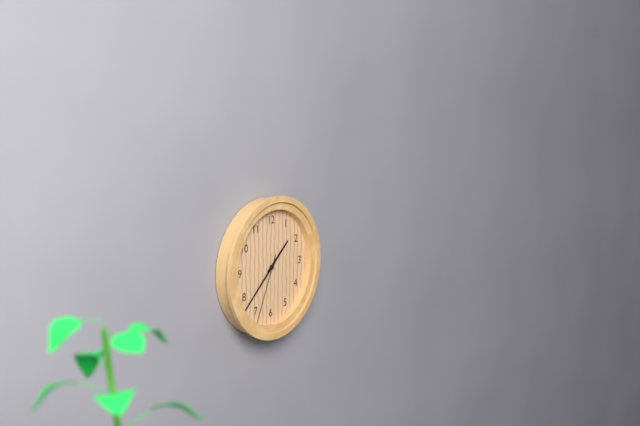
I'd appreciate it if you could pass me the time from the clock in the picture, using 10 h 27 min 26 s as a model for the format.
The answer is 1 h 38 min 34 s
